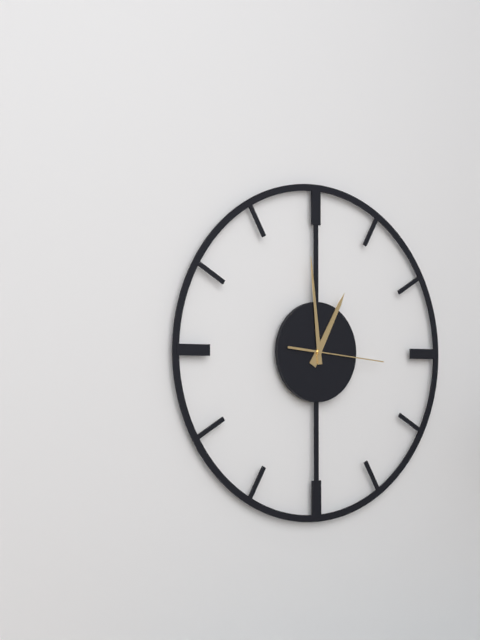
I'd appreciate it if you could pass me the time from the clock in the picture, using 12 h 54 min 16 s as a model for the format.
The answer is 12 h 59 min 16 s
